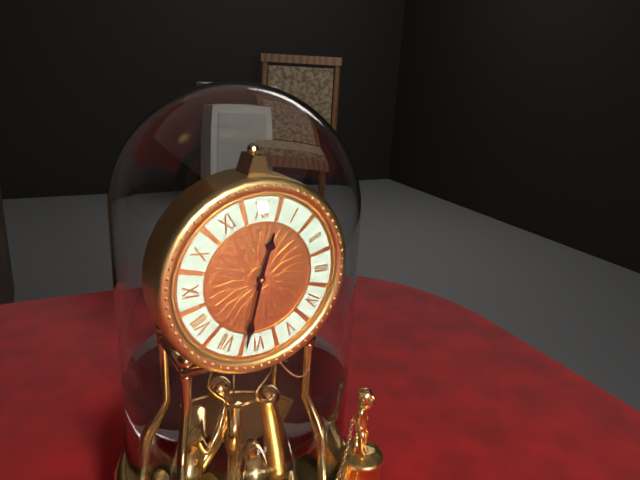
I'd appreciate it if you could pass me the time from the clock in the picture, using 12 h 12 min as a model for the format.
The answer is 12 h 32 min
